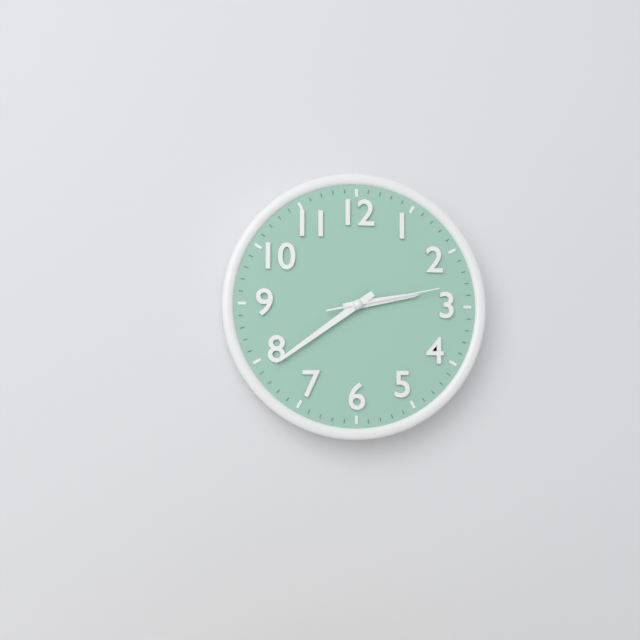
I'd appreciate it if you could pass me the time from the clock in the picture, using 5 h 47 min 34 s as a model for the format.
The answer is 2 h 39 min 13 s
